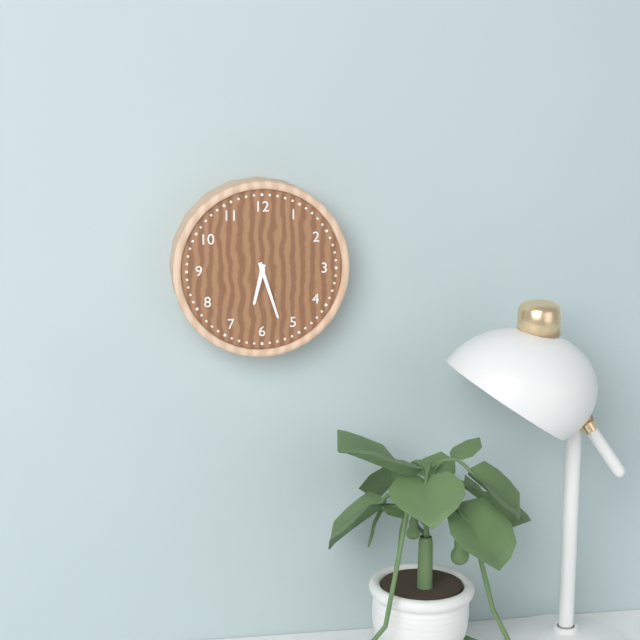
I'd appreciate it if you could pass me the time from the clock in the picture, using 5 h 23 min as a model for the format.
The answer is 6 h 27 min
